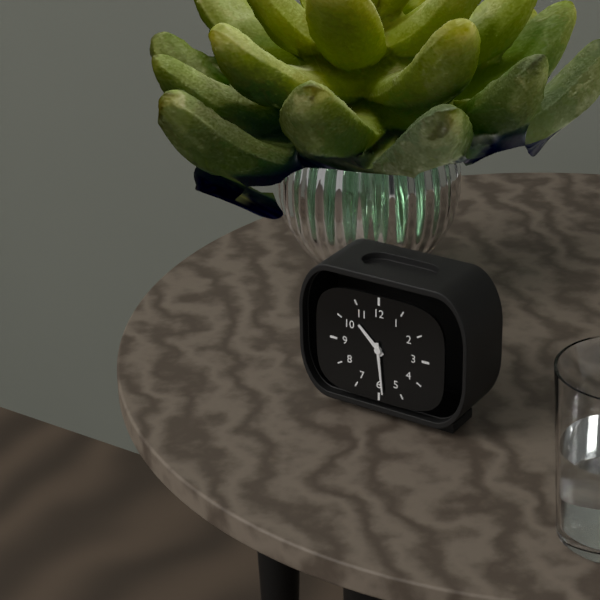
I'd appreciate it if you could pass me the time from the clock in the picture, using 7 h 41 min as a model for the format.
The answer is 10 h 29 min
